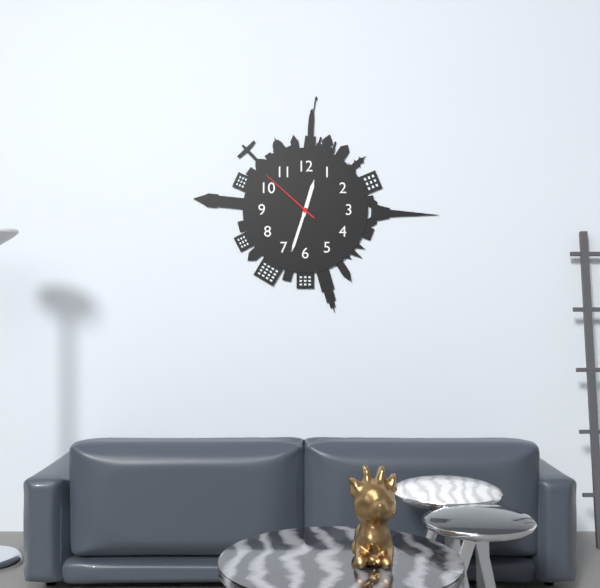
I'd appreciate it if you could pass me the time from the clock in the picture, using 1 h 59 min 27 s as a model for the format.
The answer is 12 h 33 min 52 s
